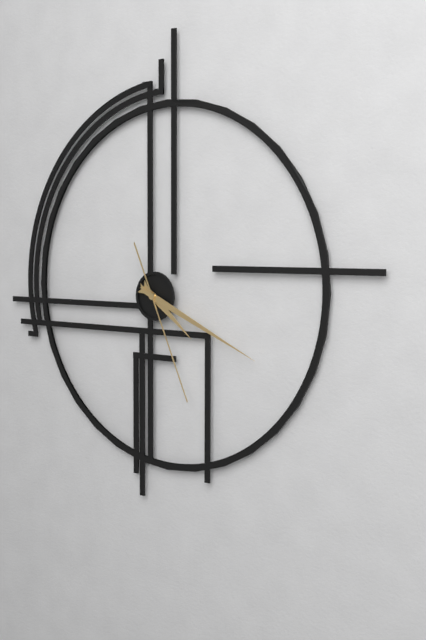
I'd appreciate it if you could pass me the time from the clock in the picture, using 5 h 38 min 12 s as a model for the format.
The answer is 4 h 19 min 26 s
